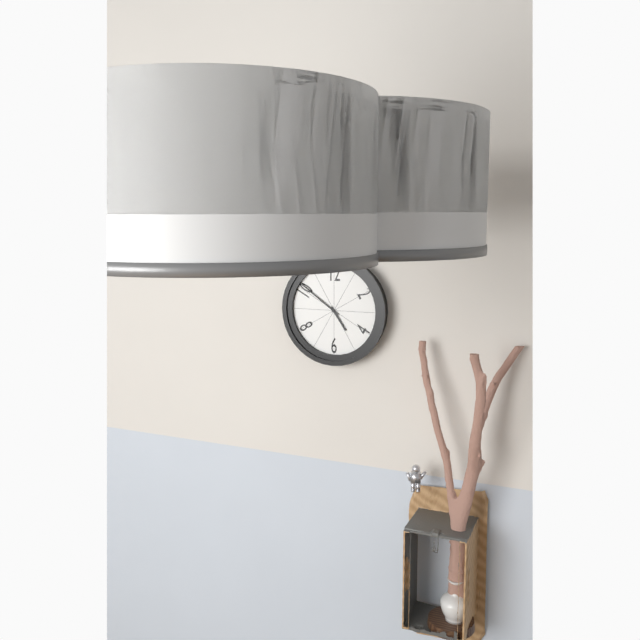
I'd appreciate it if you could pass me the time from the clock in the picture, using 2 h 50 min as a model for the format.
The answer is 4 h 51 min
